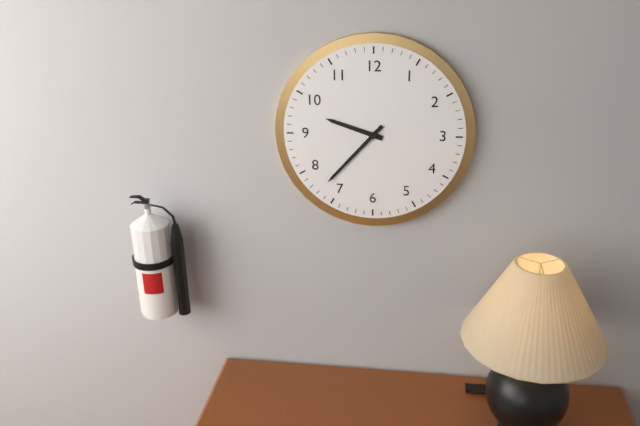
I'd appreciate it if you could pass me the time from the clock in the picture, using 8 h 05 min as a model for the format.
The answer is 9 h 37 min
